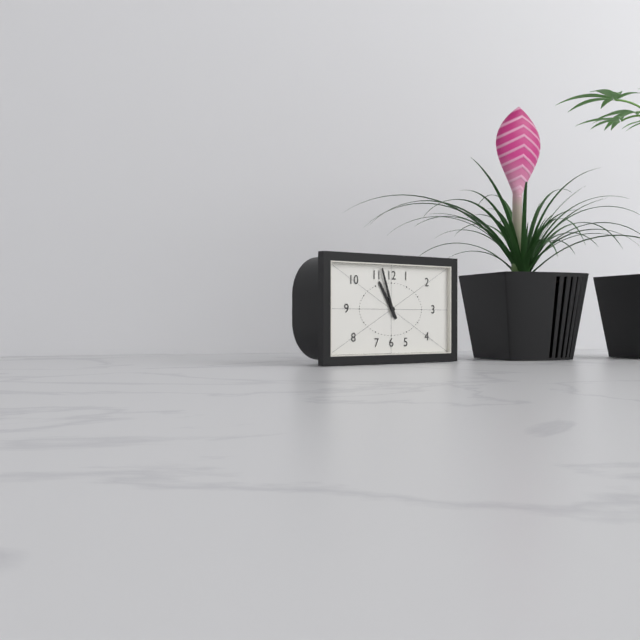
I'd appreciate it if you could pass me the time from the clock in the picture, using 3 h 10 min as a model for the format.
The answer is 10 h 57 min
